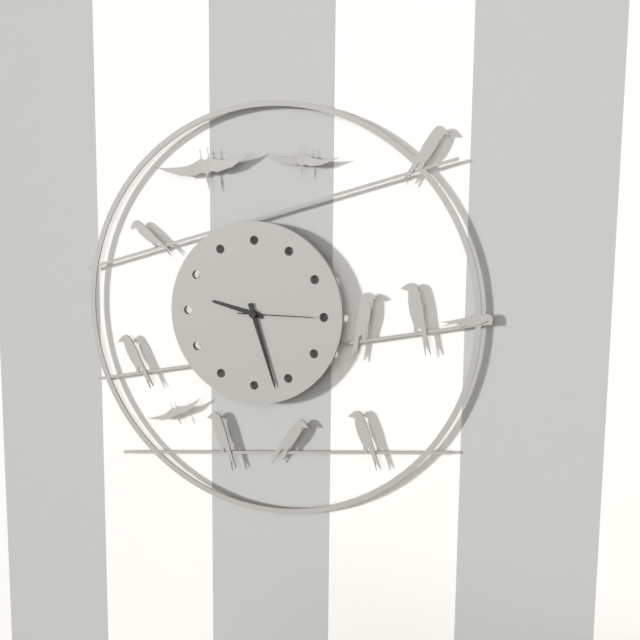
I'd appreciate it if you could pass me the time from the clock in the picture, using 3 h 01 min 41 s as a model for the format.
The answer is 9 h 27 min 15 s
